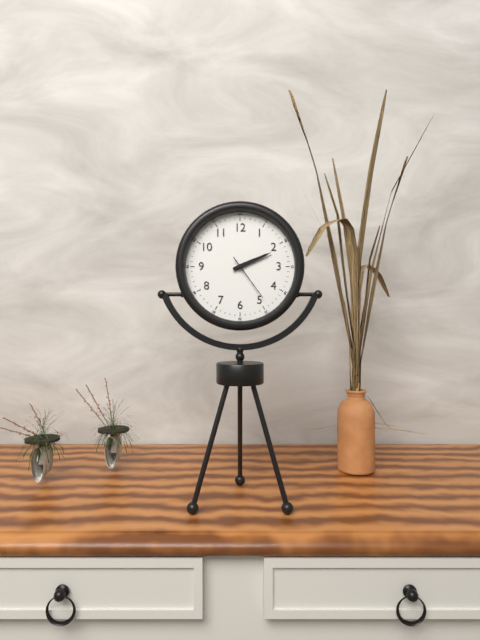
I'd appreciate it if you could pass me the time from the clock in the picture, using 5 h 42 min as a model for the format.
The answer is 2 h 11 min
